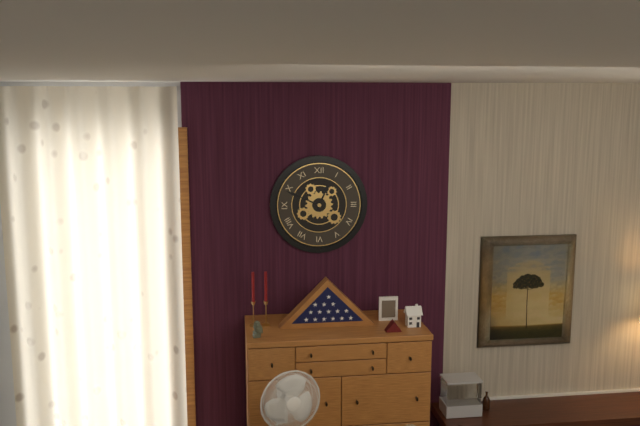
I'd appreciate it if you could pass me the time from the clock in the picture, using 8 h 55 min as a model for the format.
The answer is 12 h 49 min
